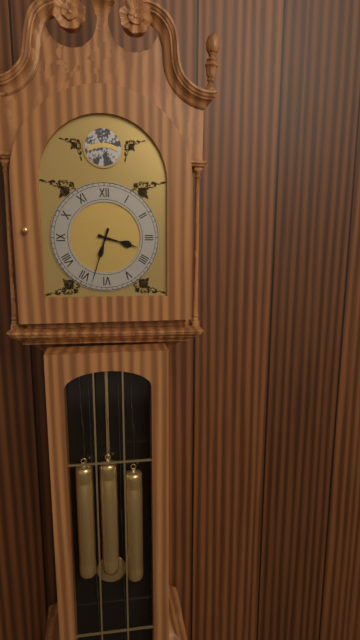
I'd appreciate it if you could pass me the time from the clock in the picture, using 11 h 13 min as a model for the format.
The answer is 3 h 33 min
